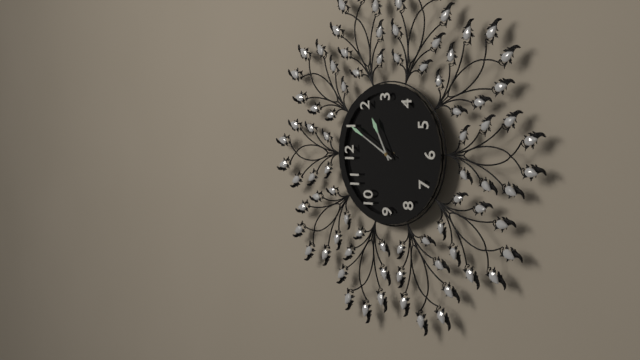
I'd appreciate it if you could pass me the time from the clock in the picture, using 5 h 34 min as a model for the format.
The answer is 2 h 05 min
